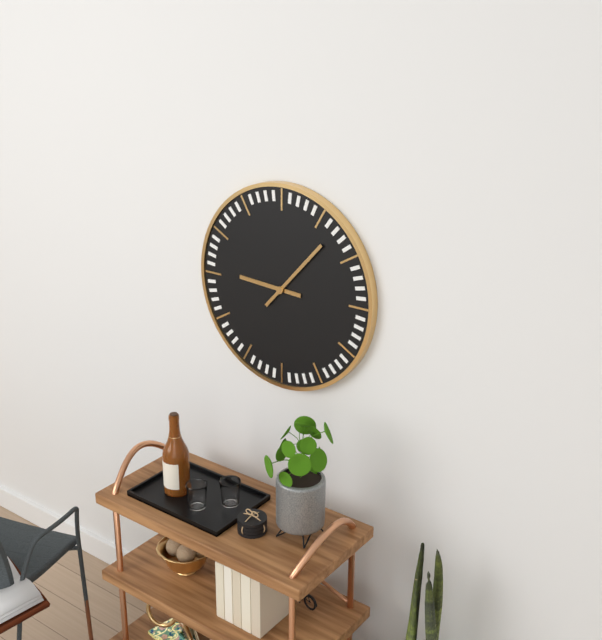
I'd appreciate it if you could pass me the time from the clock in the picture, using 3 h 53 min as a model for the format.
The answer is 9 h 07 min
